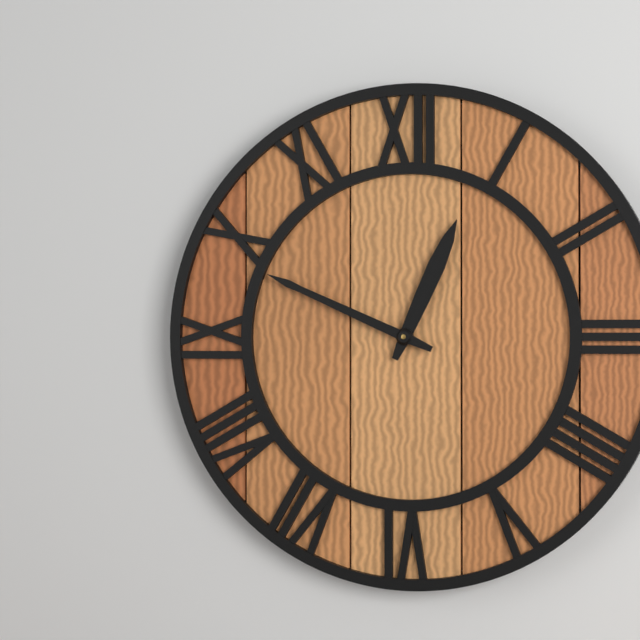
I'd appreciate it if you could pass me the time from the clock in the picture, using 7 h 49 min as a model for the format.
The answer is 12 h 49 min
